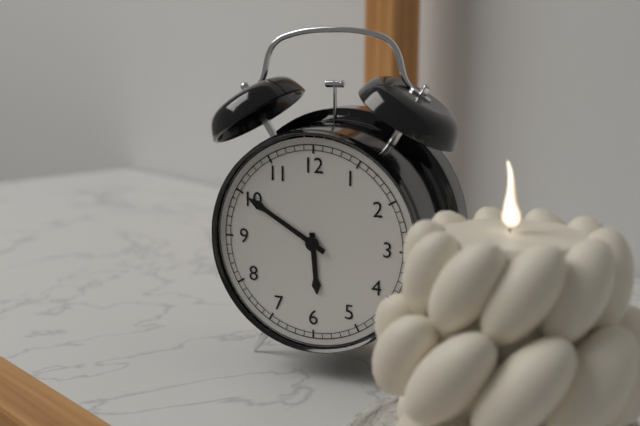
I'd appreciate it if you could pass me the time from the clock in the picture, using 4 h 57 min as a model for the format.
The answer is 5 h 50 min
